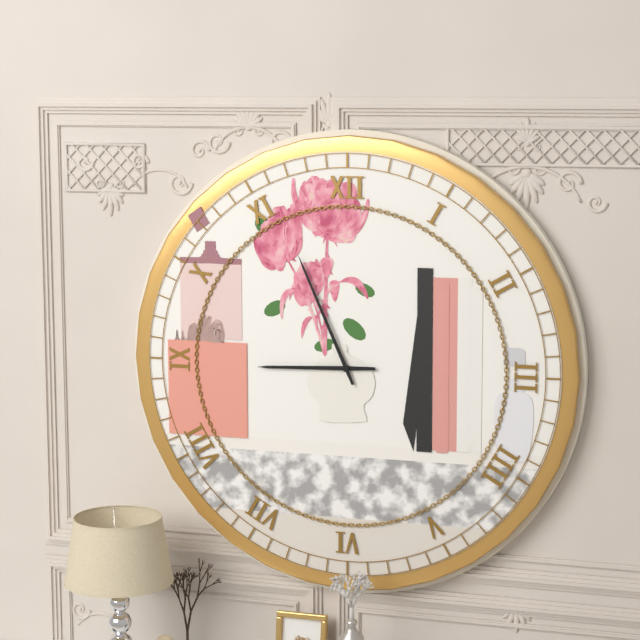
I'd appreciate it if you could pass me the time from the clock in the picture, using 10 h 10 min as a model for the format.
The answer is 8 h 56 min
